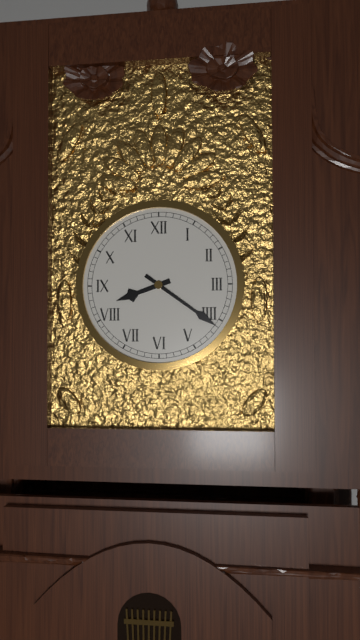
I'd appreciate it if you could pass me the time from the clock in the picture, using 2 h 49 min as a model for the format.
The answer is 8 h 21 min
